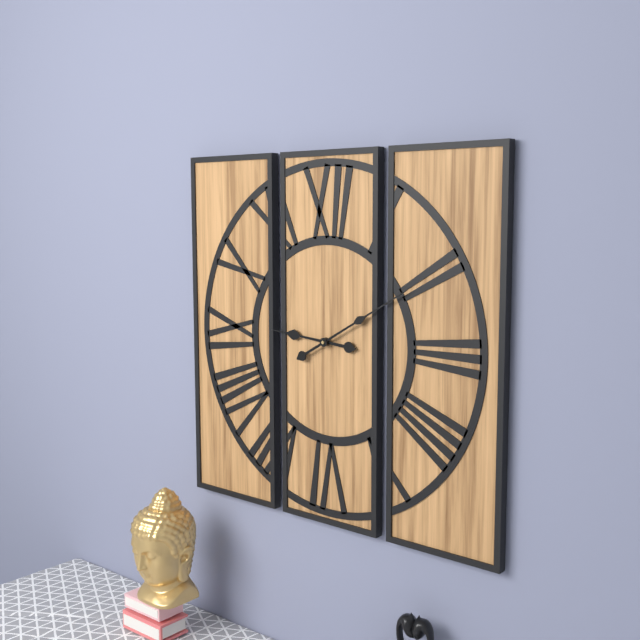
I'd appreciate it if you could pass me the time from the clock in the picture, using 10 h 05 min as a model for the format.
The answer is 9 h 10 min
